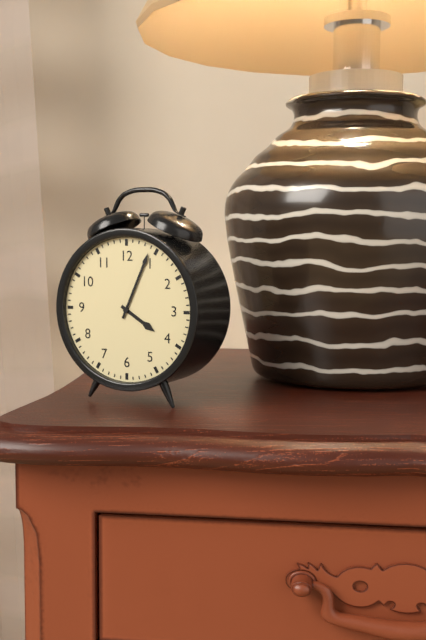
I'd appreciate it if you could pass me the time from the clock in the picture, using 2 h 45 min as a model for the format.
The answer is 4 h 04 min
